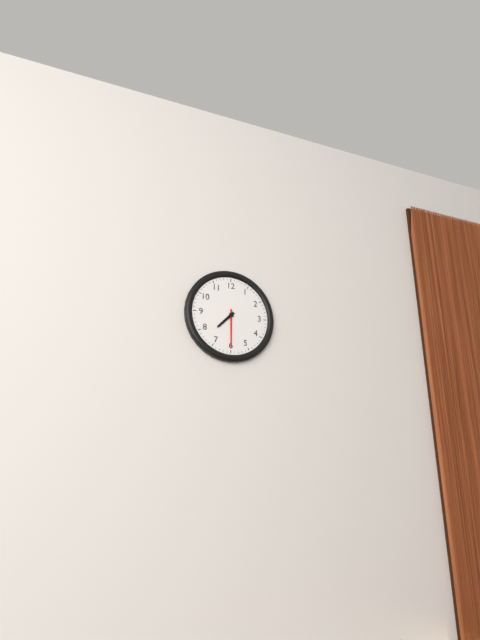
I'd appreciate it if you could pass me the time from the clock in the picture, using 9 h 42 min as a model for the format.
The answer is 7 h 30 min
